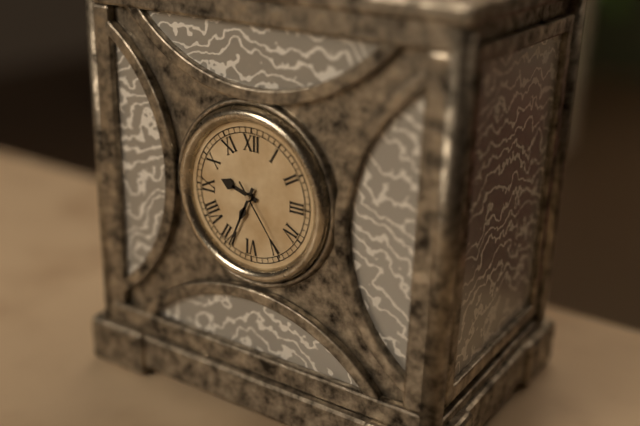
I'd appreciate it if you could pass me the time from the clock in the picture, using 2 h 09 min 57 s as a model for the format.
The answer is 9 h 34 min 24 s
